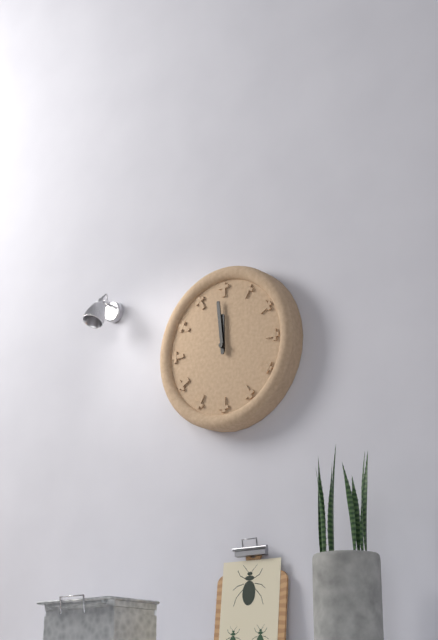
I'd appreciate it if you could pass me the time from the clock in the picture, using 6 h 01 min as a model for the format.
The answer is 11 h 59 min
